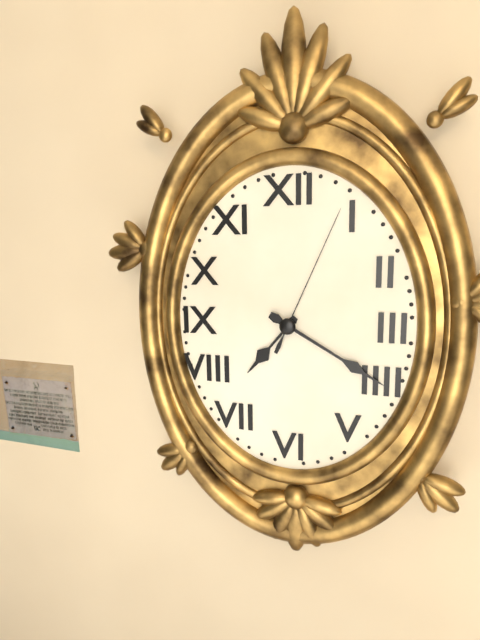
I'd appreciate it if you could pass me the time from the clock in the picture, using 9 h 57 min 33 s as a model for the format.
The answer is 7 h 20 min 04 s
